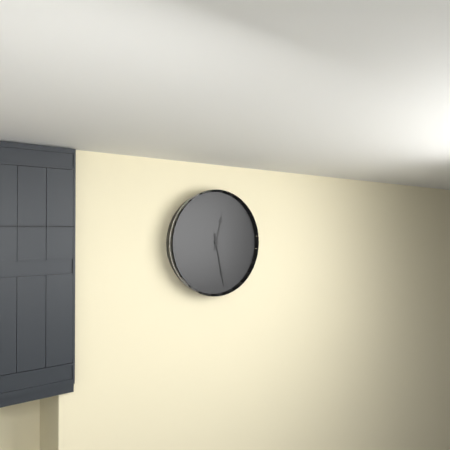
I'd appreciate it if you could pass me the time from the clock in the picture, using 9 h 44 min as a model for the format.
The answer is 12 h 28 min
